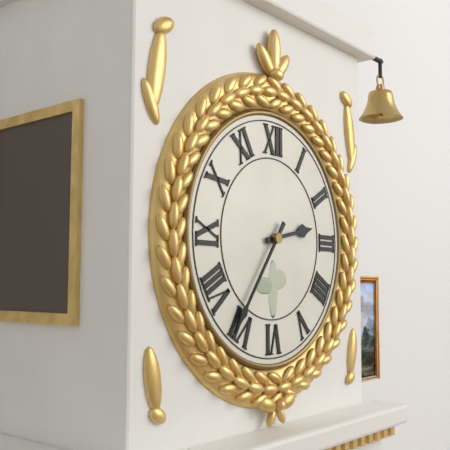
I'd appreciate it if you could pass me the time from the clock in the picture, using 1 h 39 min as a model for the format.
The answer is 2 h 36 min
